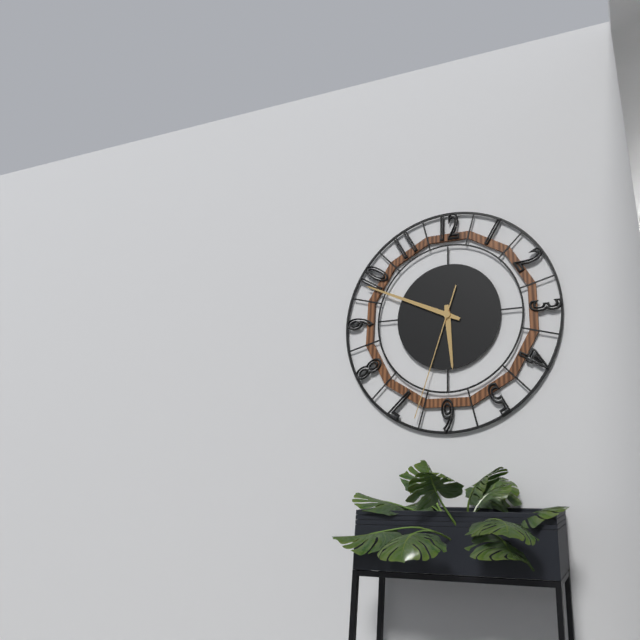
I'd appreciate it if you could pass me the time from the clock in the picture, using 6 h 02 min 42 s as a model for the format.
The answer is 5 h 49 min 33 s
